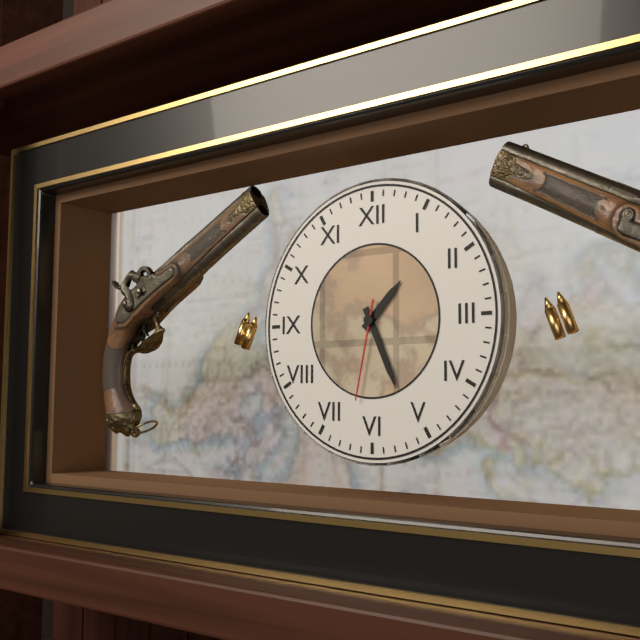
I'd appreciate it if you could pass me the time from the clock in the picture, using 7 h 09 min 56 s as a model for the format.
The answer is 1 h 26 min 32 s
